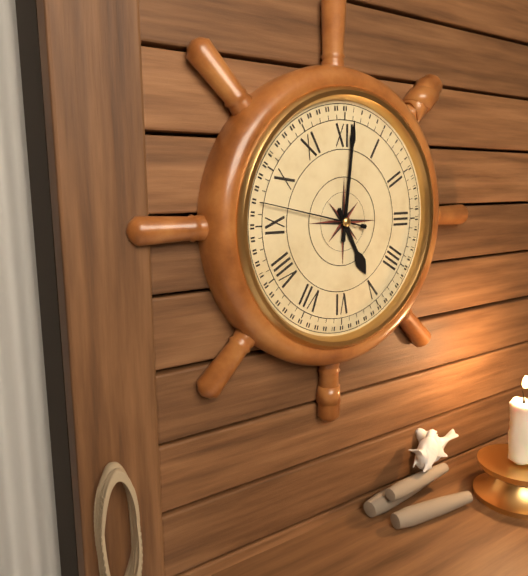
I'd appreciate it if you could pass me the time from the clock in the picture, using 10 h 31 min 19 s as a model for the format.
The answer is 5 h 01 min 47 s
